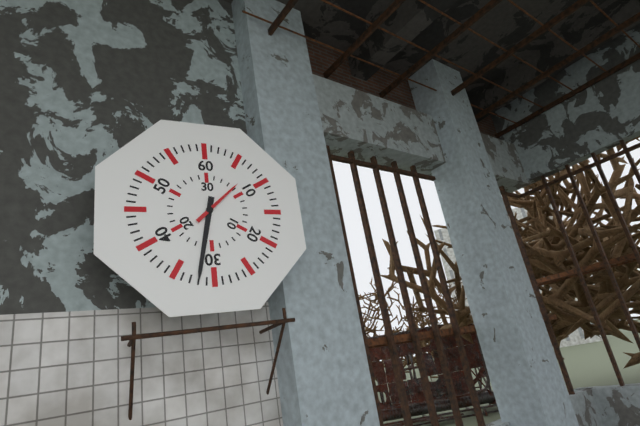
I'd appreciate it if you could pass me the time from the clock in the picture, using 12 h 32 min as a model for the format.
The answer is 1 h 32 min
